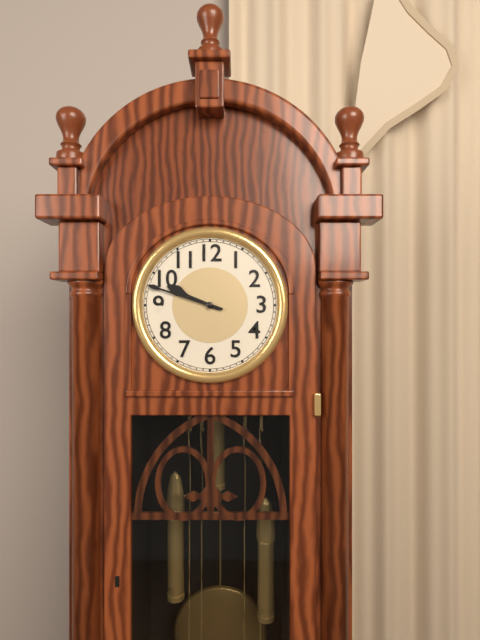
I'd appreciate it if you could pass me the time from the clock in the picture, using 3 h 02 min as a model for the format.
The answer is 9 h 48 min
